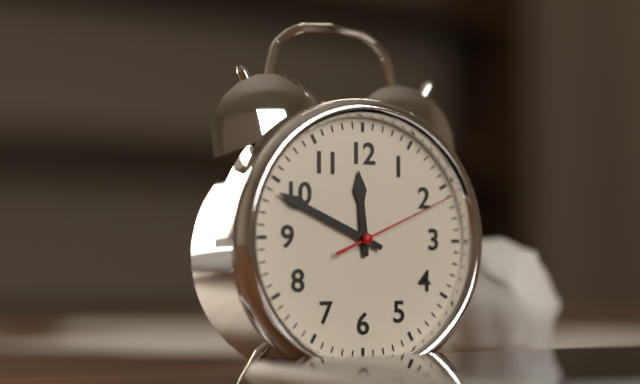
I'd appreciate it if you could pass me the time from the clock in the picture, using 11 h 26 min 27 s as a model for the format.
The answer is 11 h 49 min 11 s
